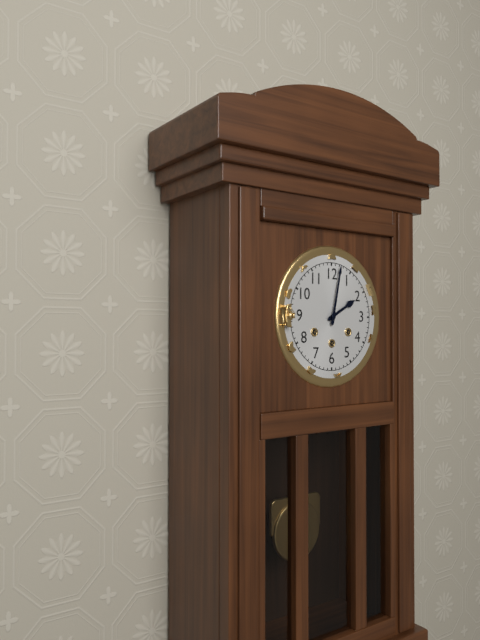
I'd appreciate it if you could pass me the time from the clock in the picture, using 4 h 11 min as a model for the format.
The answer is 2 h 02 min
